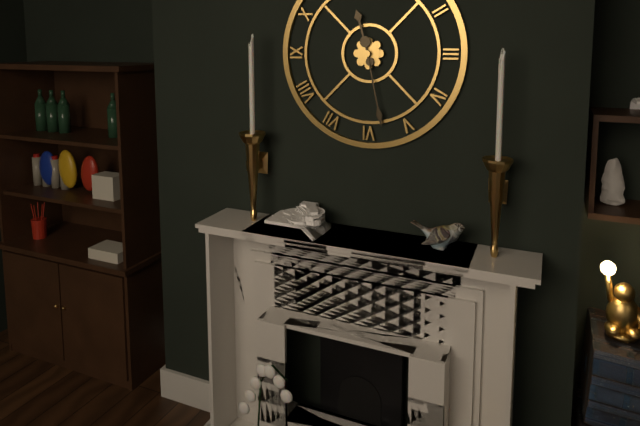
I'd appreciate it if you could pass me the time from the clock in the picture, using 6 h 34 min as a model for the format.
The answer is 11 h 28 min
